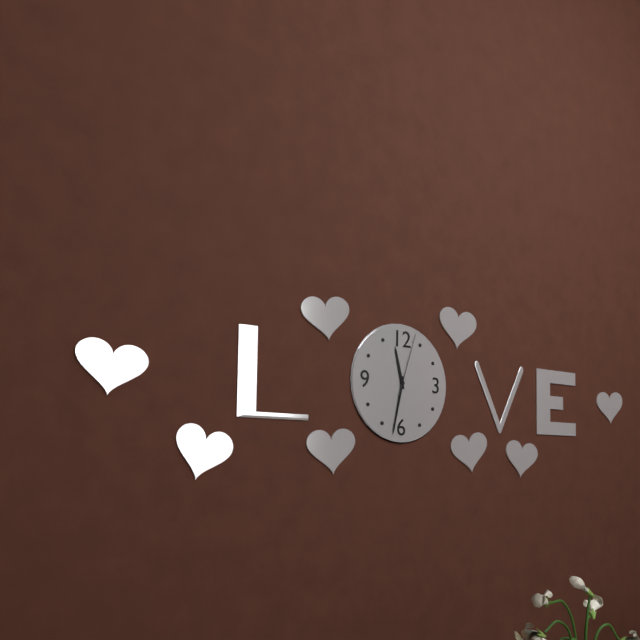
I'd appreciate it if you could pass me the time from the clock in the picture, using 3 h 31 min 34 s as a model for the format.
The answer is 11 h 32 min 03 s
